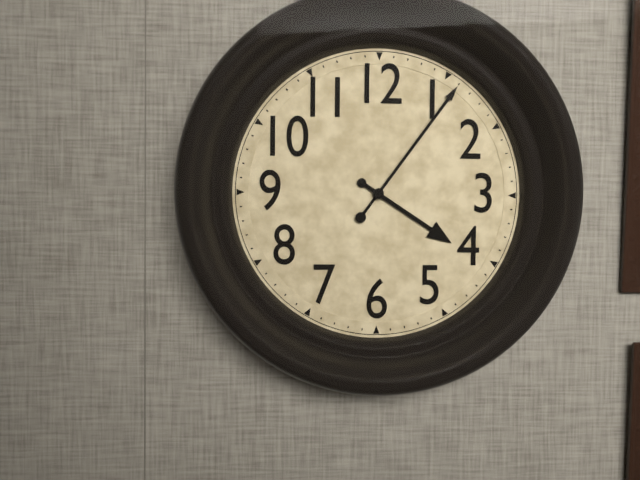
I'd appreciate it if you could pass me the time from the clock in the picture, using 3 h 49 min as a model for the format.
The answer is 4 h 06 min
